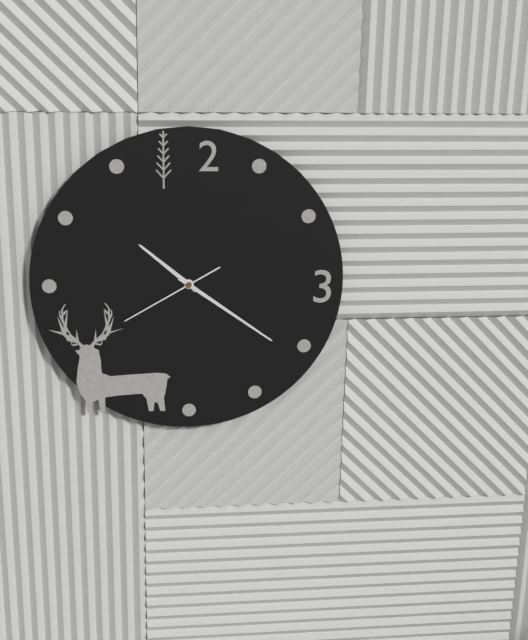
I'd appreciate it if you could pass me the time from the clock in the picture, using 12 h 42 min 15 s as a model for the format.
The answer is 10 h 21 min 40 s
